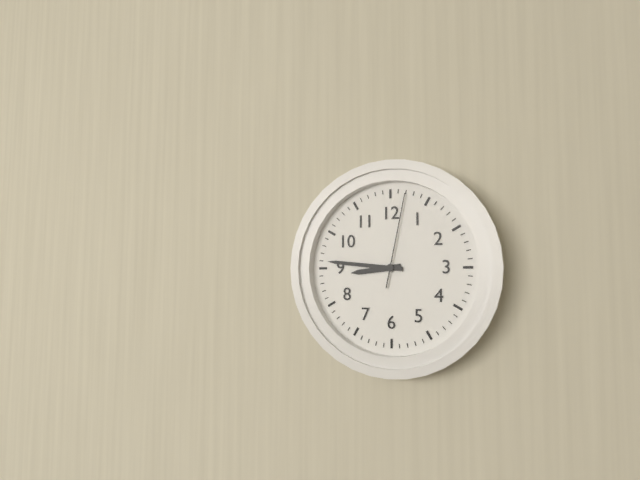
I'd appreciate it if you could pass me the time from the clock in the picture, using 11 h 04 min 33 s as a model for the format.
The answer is 8 h 46 min 02 s
